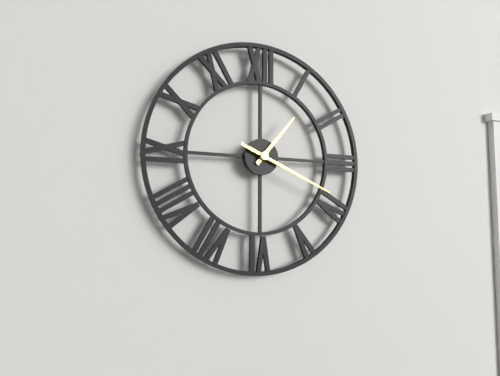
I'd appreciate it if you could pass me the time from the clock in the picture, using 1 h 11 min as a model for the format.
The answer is 1 h 19 min
